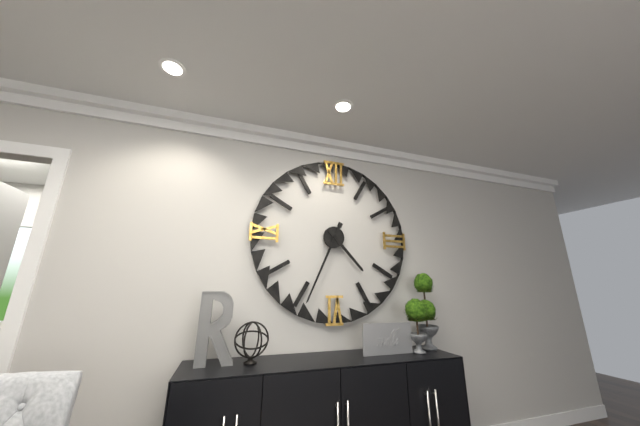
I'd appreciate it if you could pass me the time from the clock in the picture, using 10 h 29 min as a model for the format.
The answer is 4 h 34 min
